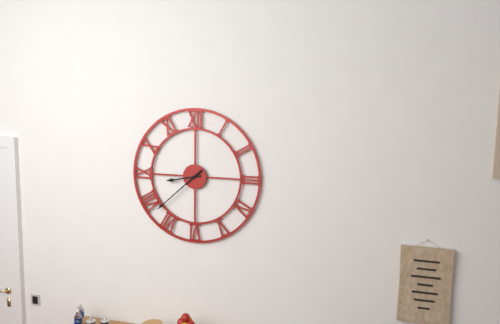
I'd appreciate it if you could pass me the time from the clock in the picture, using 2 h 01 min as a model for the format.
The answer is 8 h 38 min
